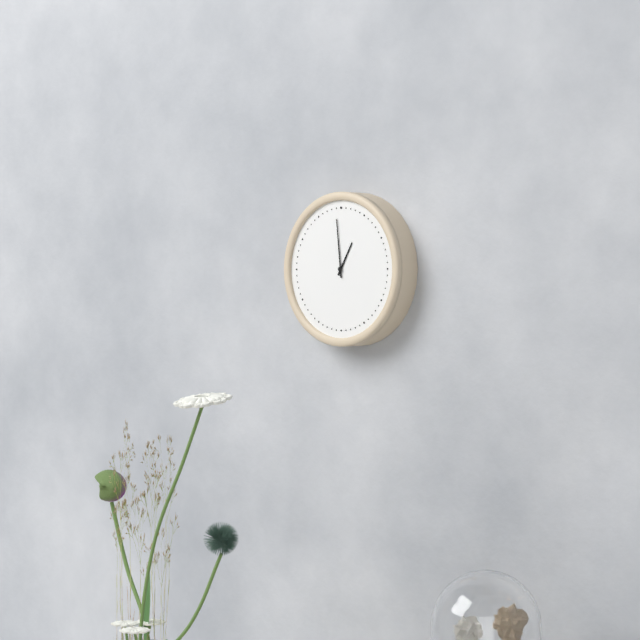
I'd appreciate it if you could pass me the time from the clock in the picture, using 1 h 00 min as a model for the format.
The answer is 12 h 59 min
